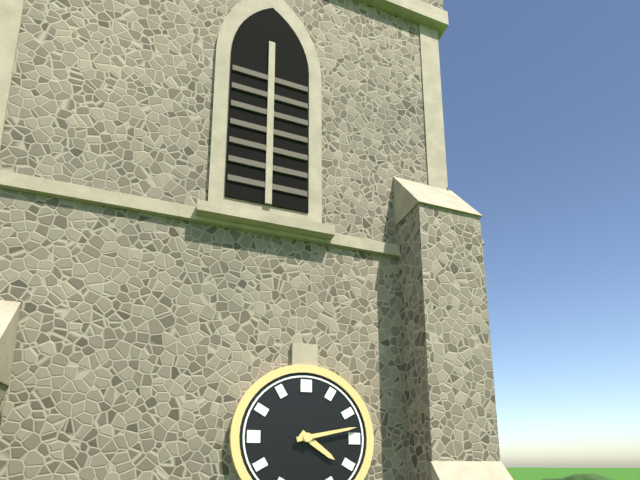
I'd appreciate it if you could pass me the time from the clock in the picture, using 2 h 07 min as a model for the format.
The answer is 4 h 13 min
